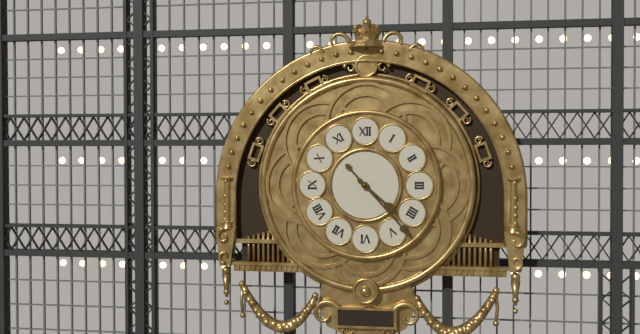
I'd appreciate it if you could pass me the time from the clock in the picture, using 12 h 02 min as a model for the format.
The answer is 4 h 23 min
